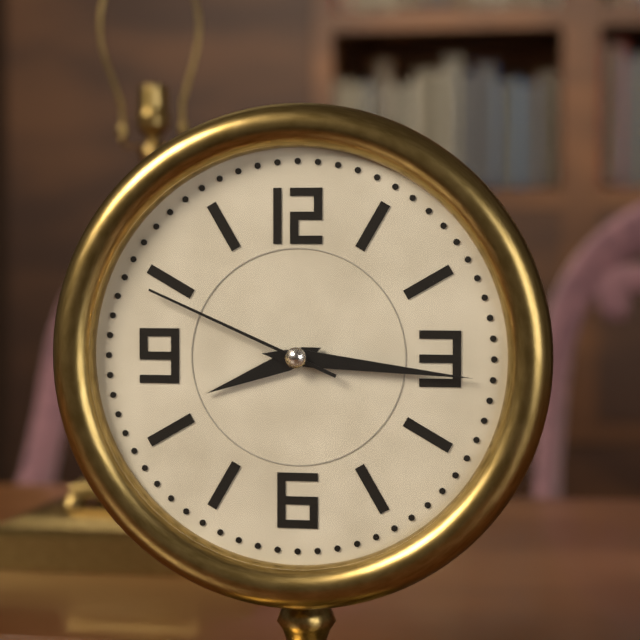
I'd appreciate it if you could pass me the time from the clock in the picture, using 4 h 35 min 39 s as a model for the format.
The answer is 8 h 16 min 49 s
